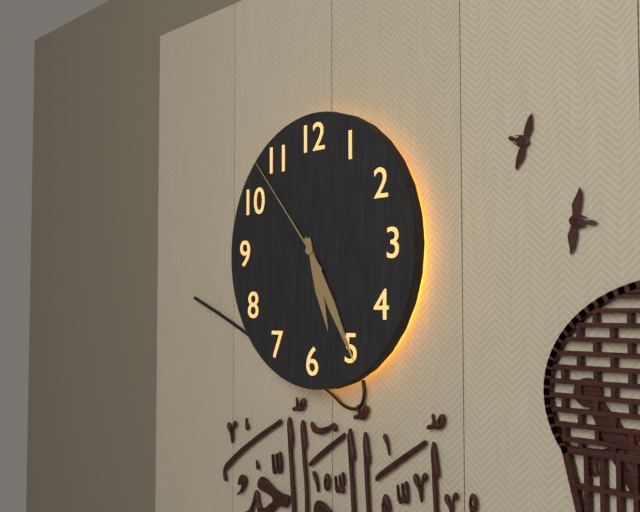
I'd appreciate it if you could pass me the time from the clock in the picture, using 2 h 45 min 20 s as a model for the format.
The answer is 5 h 25 min 53 s
